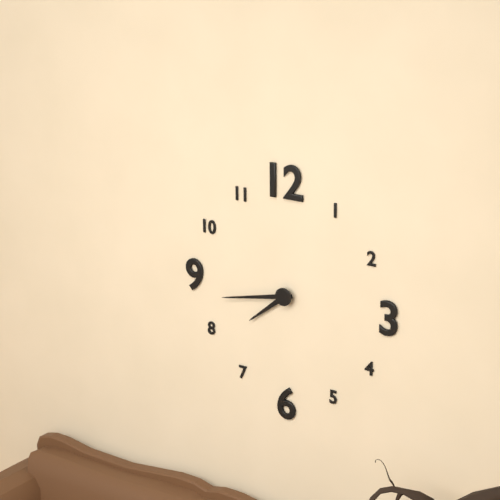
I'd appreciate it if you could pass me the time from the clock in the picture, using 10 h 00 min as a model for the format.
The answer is 7 h 43 min
